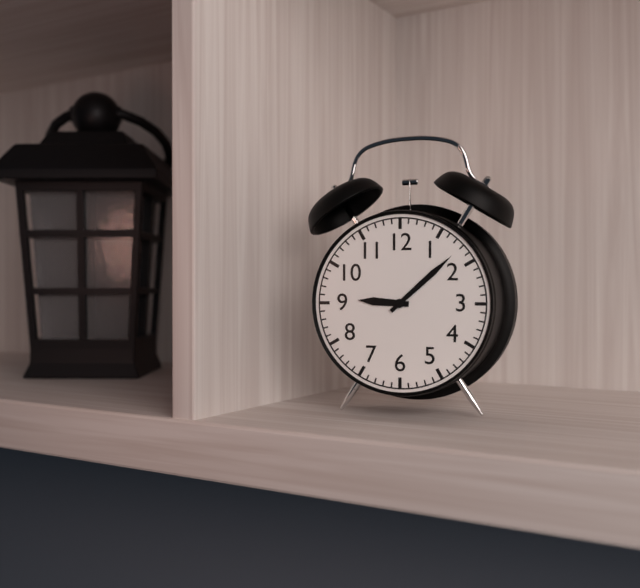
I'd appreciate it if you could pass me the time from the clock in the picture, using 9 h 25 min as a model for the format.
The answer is 9 h 08 min
